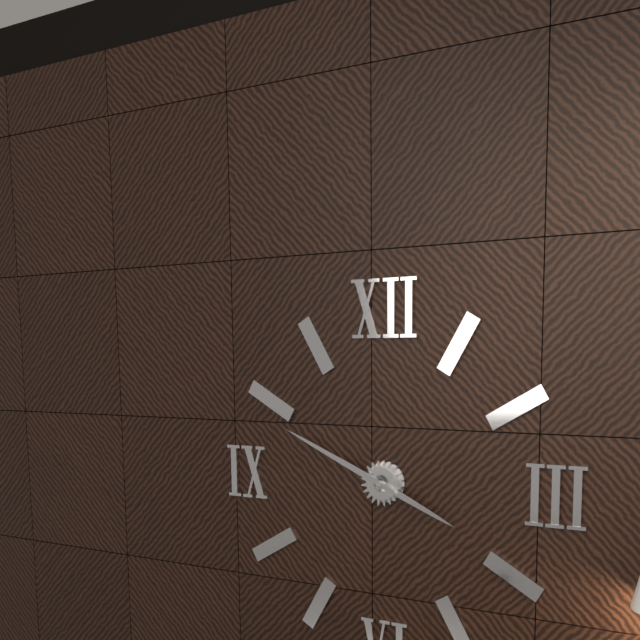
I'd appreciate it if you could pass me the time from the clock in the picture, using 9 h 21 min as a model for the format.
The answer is 3 h 49 min
